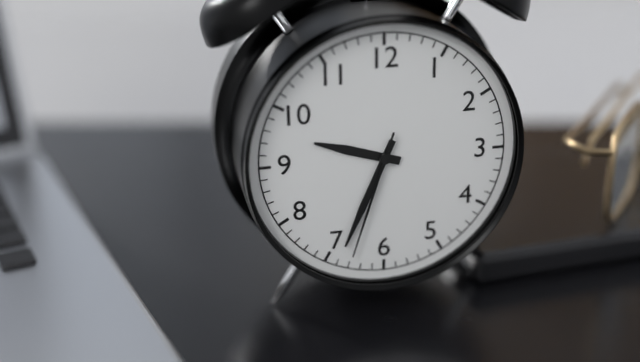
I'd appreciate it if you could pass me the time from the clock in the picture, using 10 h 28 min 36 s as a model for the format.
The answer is 9 h 34 min 33 s
